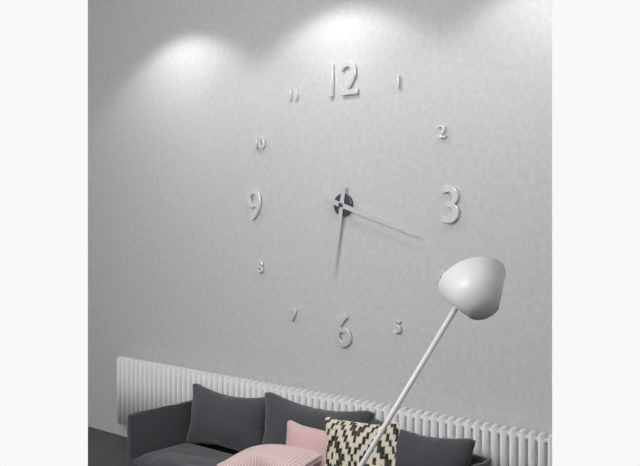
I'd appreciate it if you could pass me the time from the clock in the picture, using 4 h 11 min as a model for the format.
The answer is 6 h 18 min
